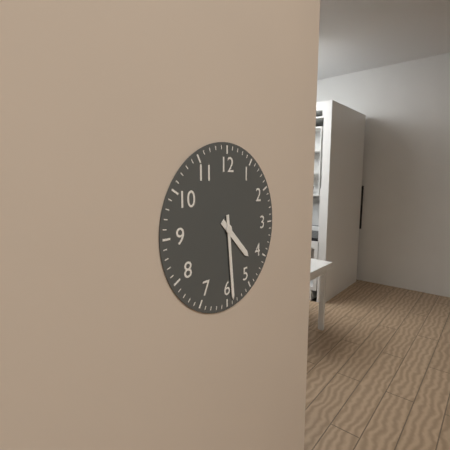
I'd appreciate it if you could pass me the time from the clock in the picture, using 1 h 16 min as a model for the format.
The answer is 4 h 29 min
